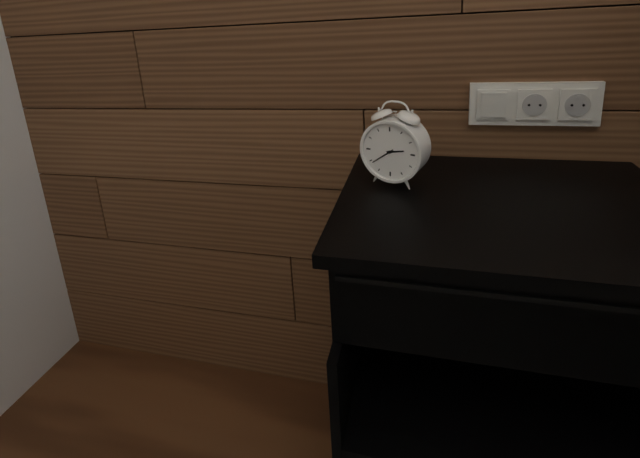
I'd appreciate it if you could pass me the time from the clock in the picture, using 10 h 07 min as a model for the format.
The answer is 2 h 39 min
